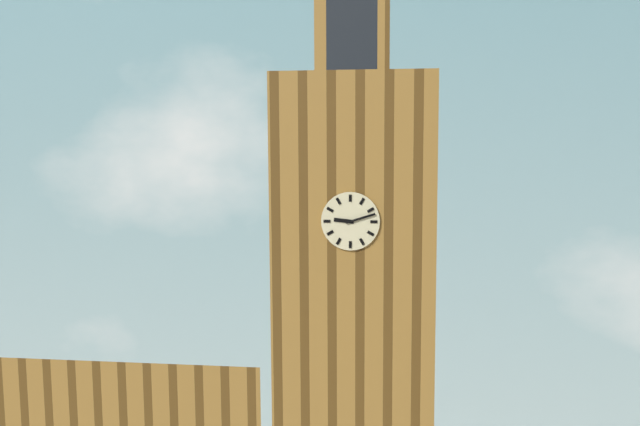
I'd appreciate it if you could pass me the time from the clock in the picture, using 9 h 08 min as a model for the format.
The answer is 9 h 12 min
